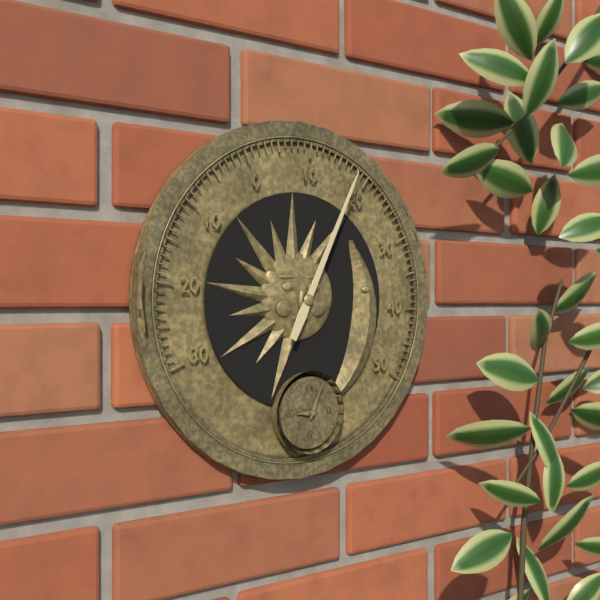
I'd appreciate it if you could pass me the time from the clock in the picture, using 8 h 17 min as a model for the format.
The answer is 9 h 04 min
